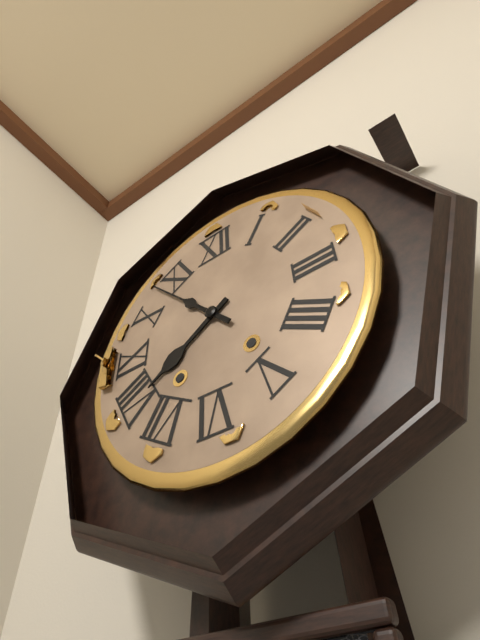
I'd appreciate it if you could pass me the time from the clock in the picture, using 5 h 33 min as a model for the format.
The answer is 7 h 53 min
